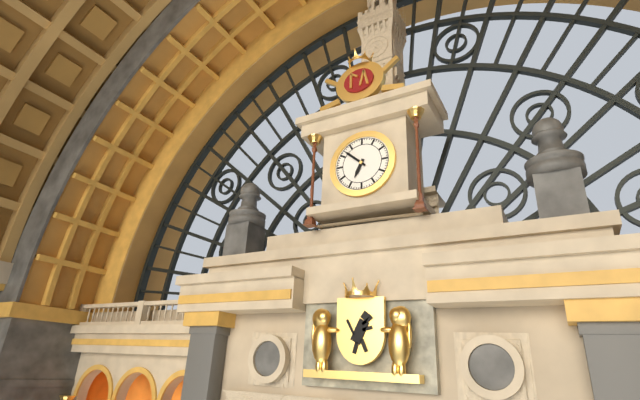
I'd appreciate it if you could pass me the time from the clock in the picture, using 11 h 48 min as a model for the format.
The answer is 6 h 52 min
